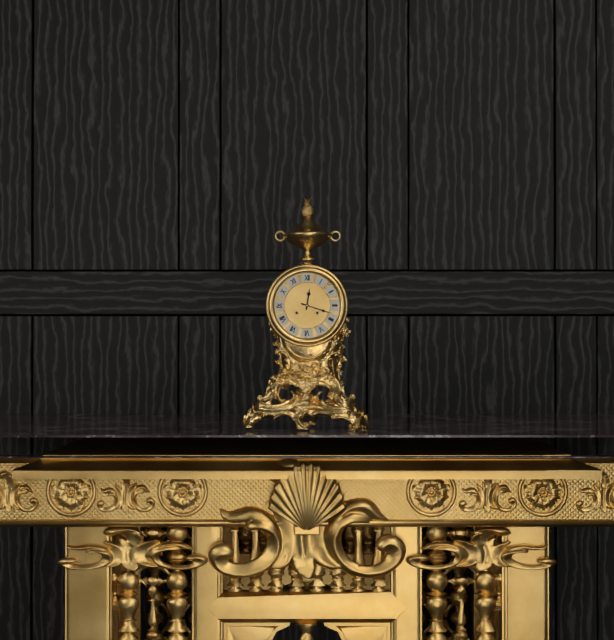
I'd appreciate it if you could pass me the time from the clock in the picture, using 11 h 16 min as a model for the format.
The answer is 12 h 18 min
